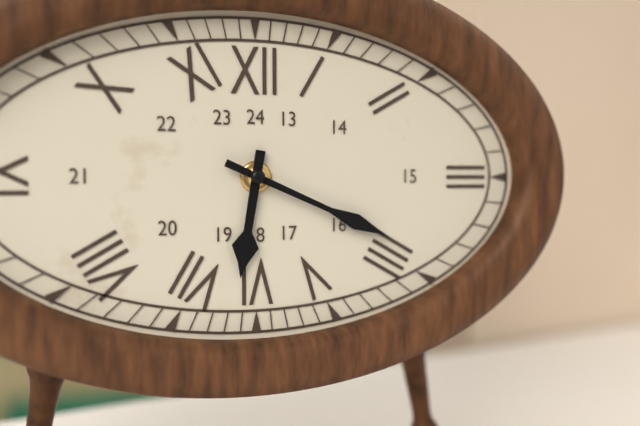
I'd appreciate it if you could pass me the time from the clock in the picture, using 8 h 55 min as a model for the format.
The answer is 6 h 19 min
